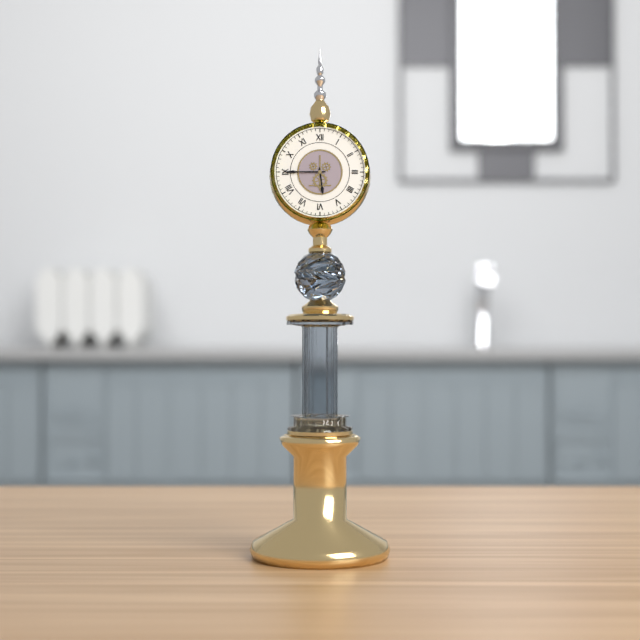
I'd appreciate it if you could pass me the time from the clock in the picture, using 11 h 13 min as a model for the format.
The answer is 5 h 45 min
